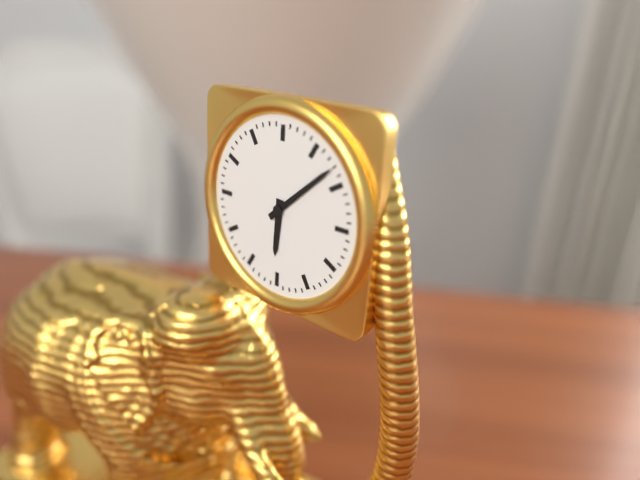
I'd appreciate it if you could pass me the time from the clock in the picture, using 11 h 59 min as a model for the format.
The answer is 6 h 08 min
